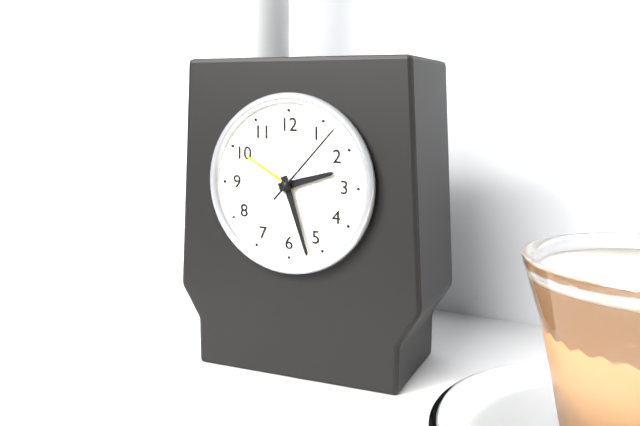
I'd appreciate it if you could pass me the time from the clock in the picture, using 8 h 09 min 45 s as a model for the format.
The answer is 2 h 27 min 07 s
